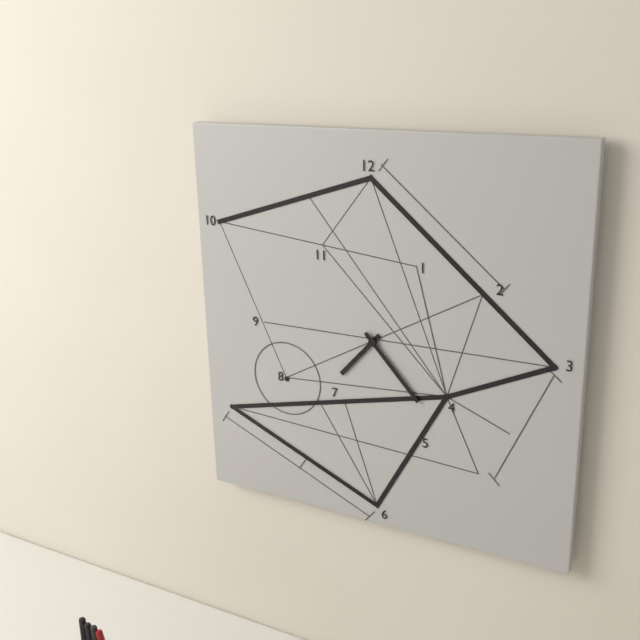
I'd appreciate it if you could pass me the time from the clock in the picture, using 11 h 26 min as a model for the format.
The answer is 7 h 23 min
